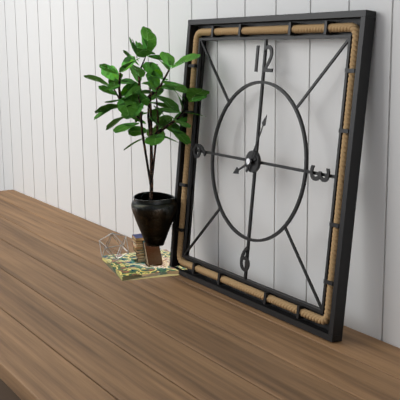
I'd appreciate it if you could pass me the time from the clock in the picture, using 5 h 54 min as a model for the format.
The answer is 8 h 04 min
